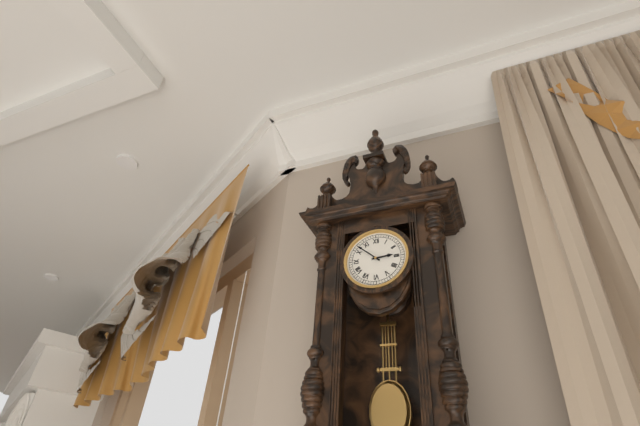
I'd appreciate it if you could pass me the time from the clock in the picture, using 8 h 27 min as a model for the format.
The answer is 2 h 52 min
